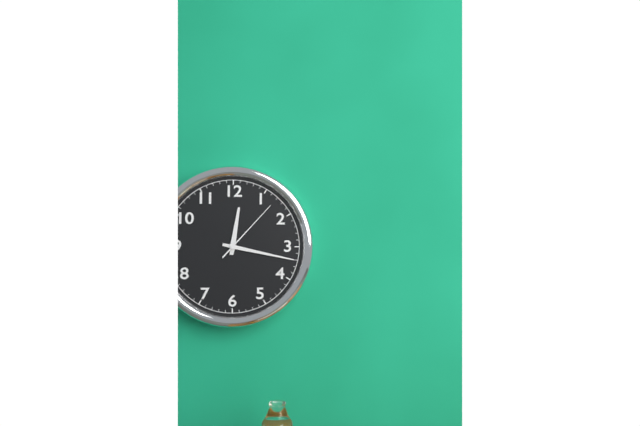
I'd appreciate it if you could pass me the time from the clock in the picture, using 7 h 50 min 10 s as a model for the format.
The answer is 12 h 17 min 07 s
